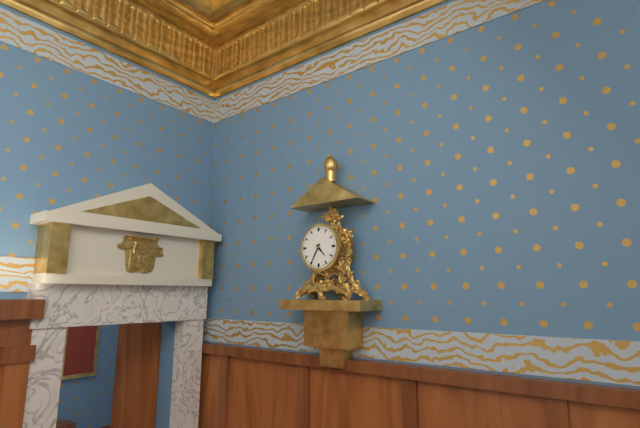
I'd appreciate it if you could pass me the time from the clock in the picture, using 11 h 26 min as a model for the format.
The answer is 4 h 35 min
